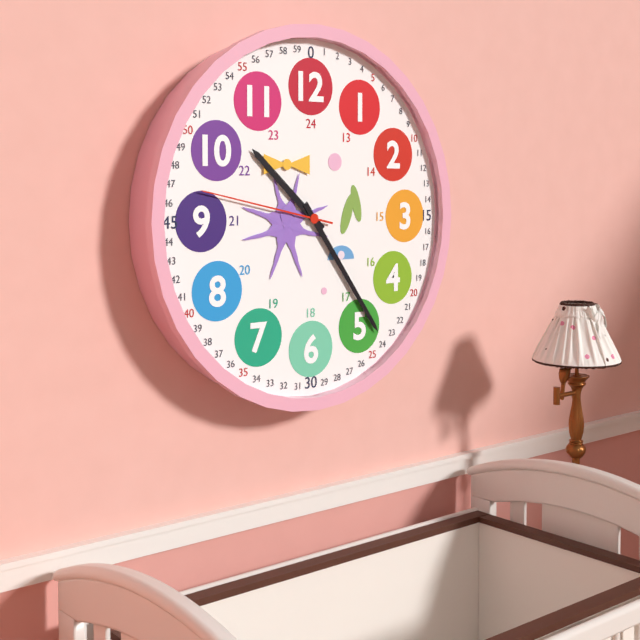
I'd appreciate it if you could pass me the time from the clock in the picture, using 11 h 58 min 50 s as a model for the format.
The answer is 10 h 24 min 47 s
